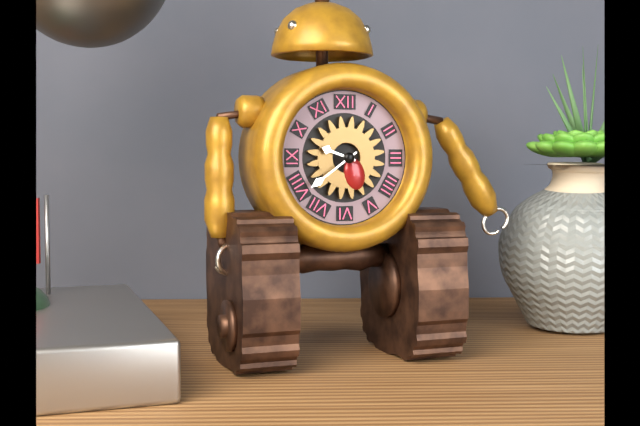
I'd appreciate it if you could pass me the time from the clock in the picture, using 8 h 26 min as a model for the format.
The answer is 9 h 39 min
